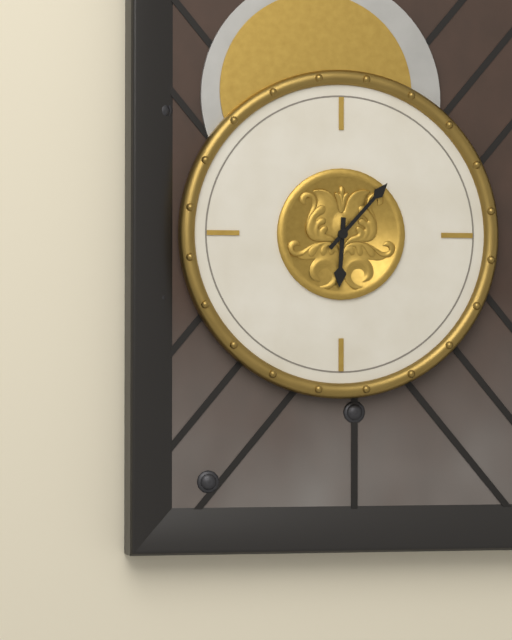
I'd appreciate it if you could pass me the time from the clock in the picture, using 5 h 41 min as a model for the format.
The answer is 6 h 07 min
